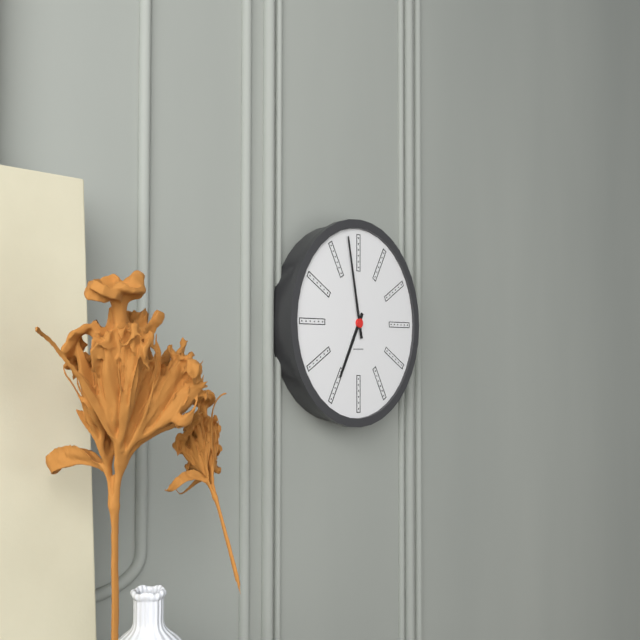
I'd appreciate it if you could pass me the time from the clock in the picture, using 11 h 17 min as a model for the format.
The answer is 6 h 58 min
